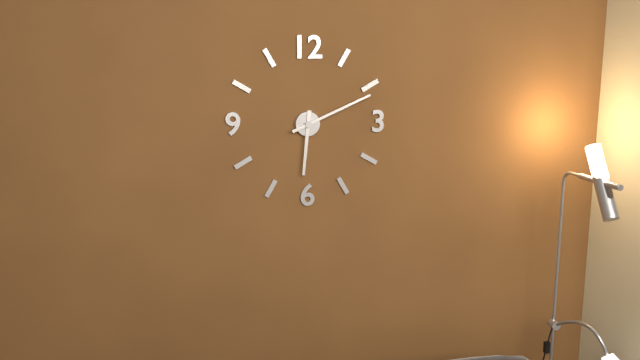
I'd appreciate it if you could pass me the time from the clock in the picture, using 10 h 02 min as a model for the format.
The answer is 6 h 11 min
